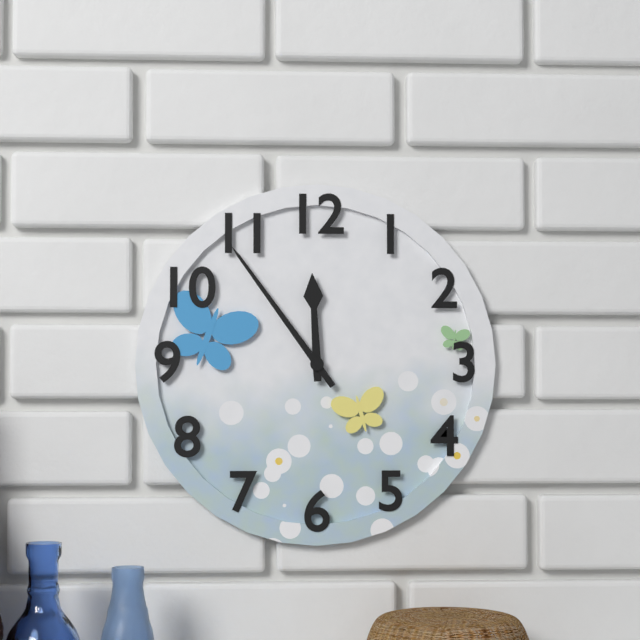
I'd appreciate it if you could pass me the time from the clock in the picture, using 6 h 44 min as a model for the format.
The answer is 11 h 54 min
